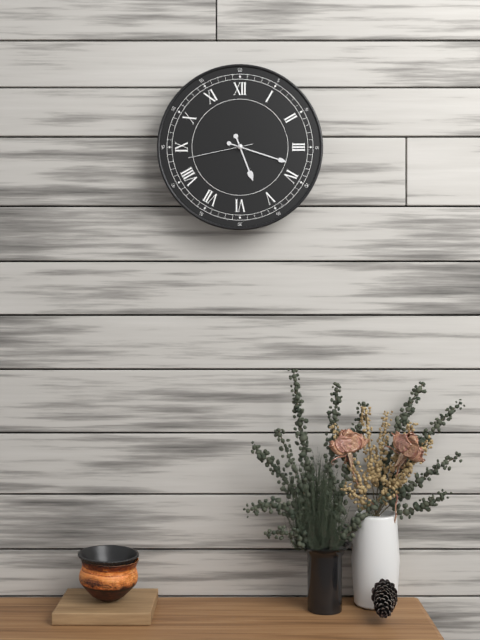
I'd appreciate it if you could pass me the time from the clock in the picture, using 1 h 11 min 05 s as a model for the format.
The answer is 5 h 18 min 43 s
